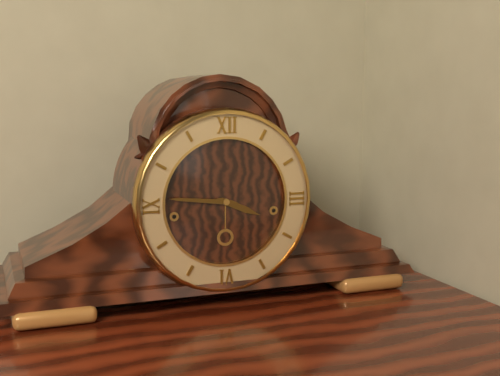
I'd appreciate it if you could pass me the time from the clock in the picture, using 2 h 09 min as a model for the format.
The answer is 3 h 46 min
